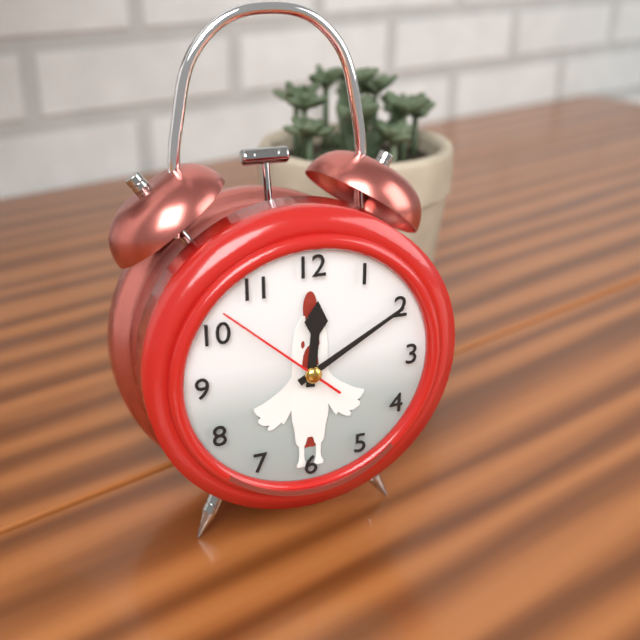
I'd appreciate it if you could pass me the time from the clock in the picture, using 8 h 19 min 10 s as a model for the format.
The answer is 12 h 10 min 52 s
